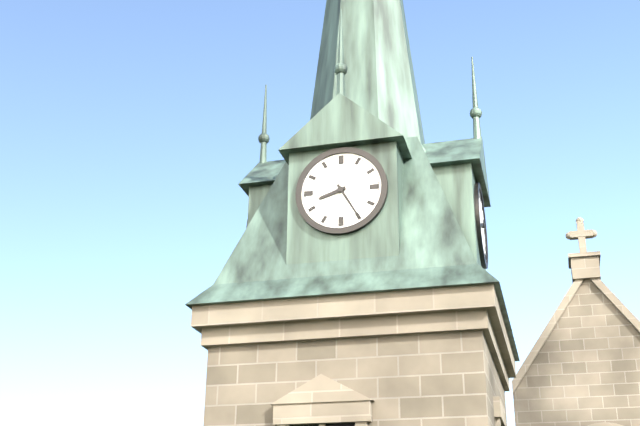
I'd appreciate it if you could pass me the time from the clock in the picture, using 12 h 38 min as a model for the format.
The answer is 8 h 25 min
